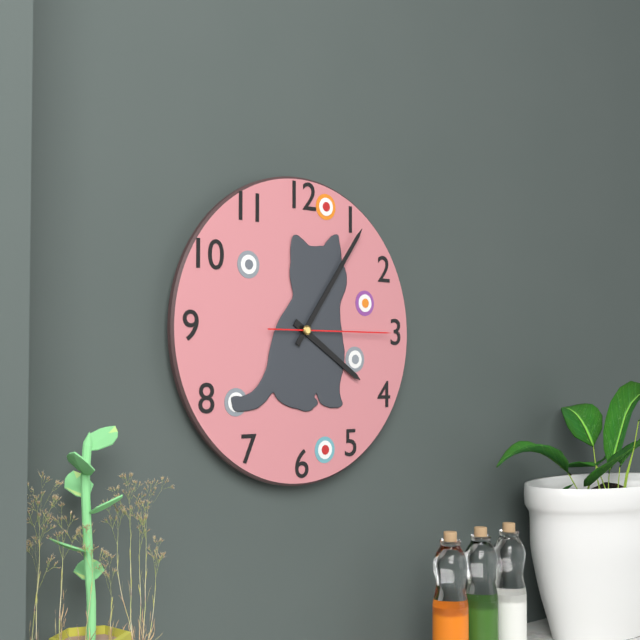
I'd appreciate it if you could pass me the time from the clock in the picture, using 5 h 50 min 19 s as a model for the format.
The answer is 4 h 06 min 15 s
